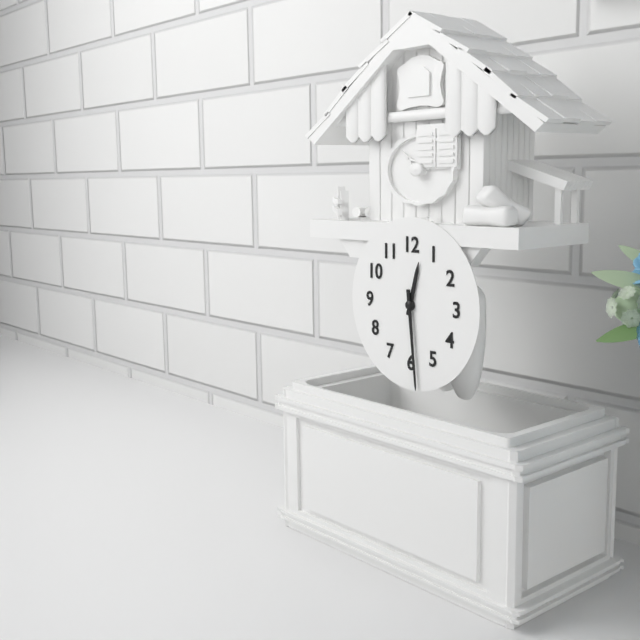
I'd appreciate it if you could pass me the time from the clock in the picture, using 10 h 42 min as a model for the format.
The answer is 12 h 29 min
